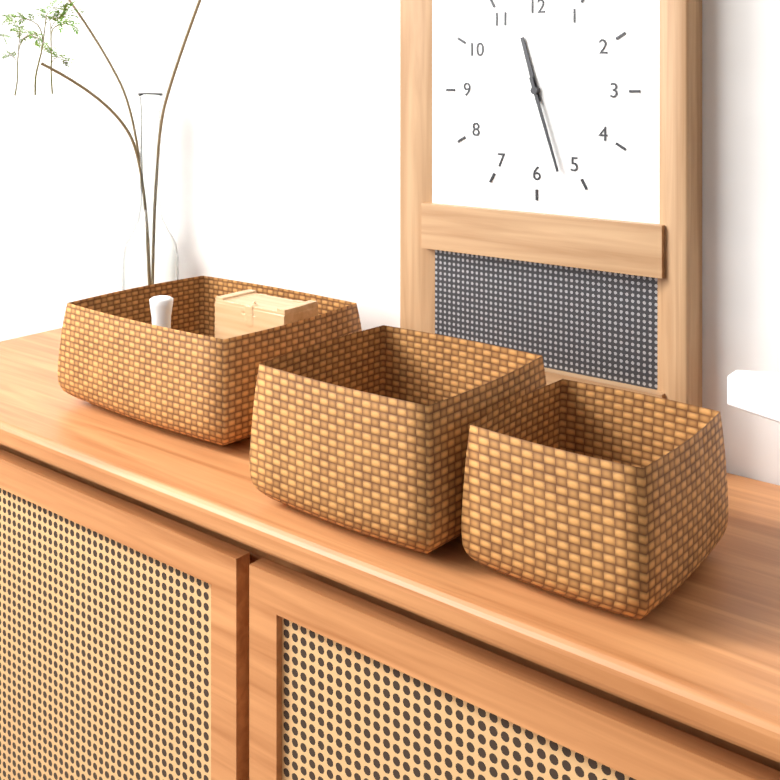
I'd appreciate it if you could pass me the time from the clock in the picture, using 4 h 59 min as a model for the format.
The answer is 11 h 27 min
